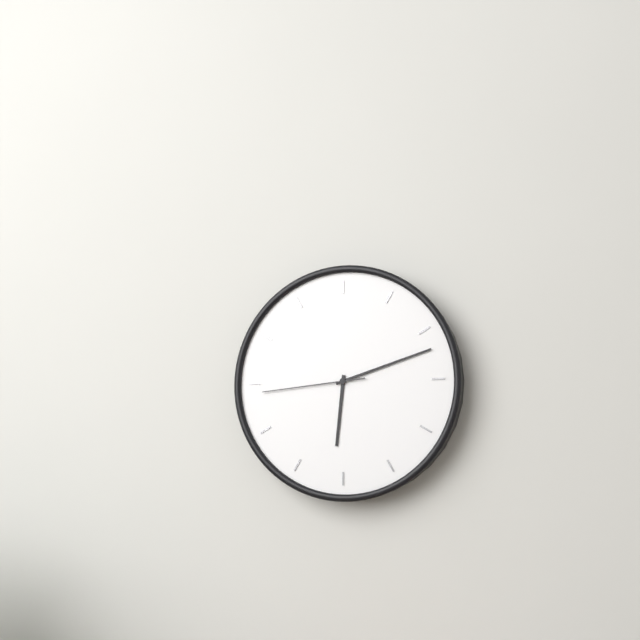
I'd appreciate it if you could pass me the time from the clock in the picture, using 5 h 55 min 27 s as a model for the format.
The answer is 6 h 12 min 44 s
